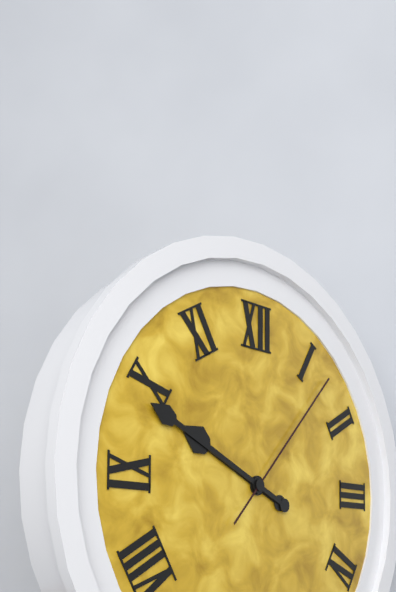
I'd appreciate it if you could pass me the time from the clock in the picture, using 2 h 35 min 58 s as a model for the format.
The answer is 9 h 49 min 07 s
